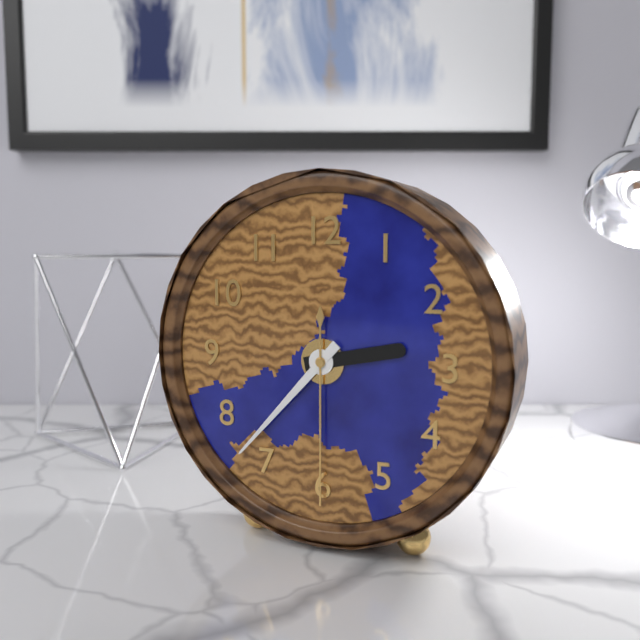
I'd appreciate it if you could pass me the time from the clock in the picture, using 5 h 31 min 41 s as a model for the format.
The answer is 2 h 37 min 30 s
